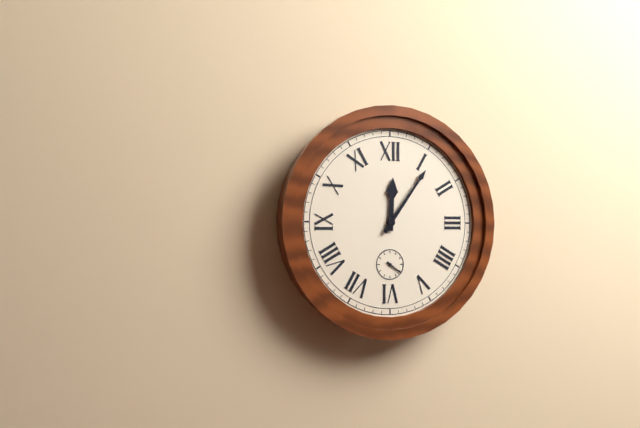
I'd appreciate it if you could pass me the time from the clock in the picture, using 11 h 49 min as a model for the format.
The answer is 12 h 06 min
